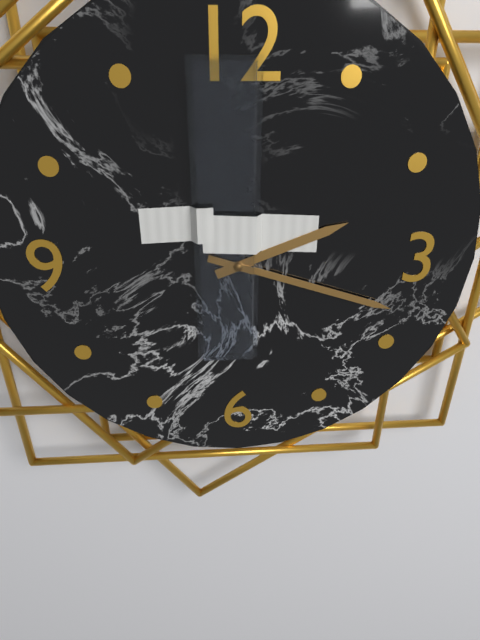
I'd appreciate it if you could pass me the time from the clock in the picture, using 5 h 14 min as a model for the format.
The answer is 2 h 18 min
